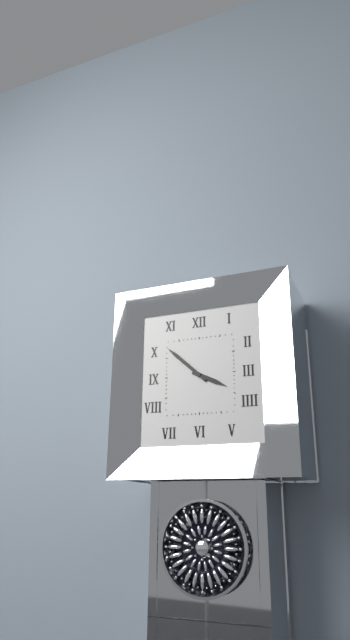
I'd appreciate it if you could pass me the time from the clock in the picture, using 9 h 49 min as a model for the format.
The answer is 3 h 52 min
